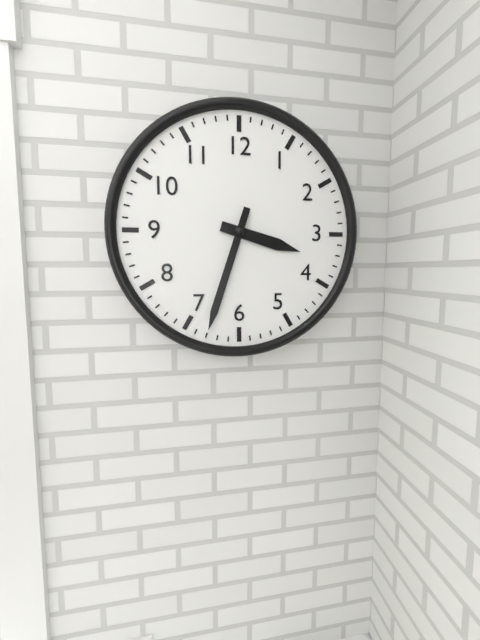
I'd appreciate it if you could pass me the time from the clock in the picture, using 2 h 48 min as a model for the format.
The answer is 3 h 33 min
